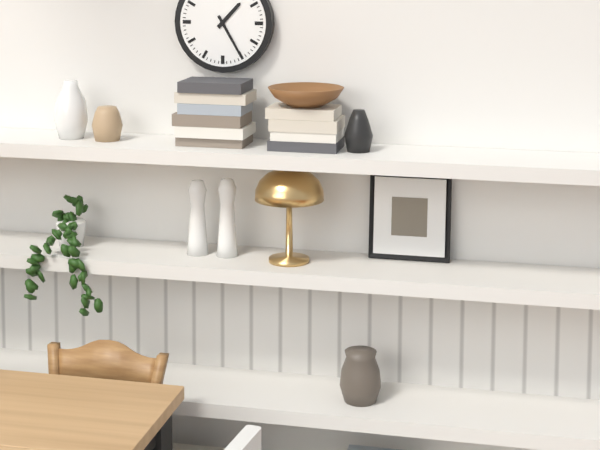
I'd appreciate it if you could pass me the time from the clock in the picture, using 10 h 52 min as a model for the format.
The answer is 1 h 25 min
